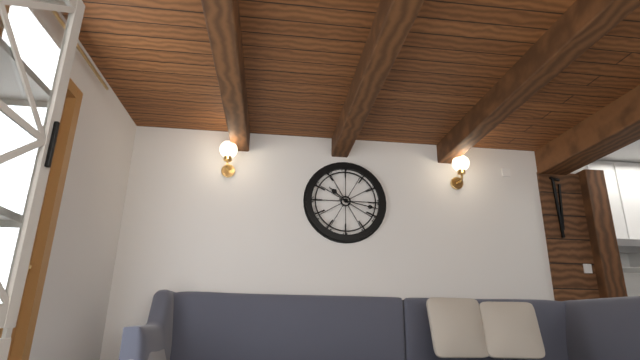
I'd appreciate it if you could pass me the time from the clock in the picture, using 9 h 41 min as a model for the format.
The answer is 10 h 17 min
